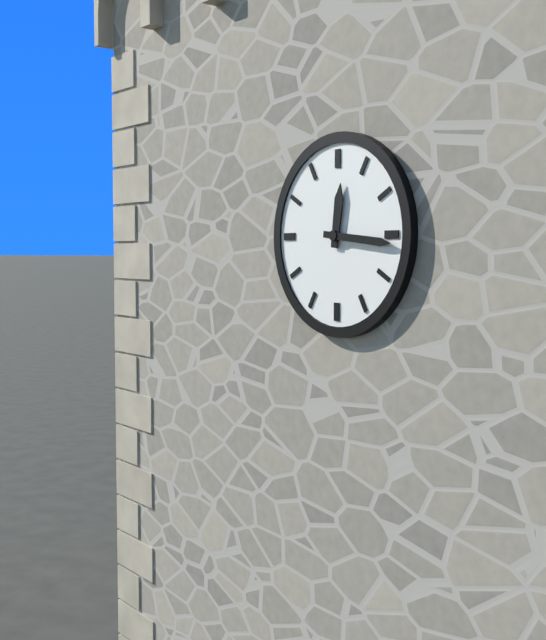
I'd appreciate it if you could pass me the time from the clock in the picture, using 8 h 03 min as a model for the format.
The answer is 12 h 16 min
